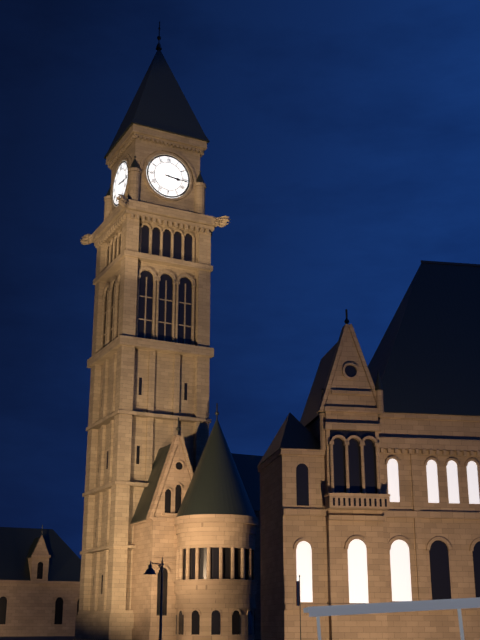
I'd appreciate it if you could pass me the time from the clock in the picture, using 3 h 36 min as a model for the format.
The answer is 3 h 16 min
